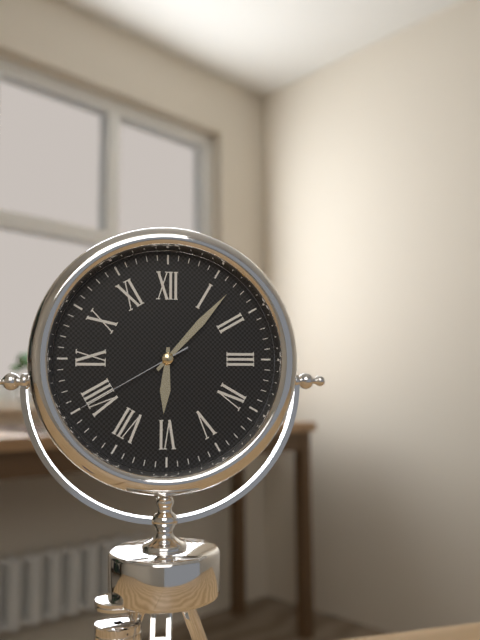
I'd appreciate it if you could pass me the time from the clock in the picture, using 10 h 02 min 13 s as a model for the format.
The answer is 6 h 07 min 40 s
